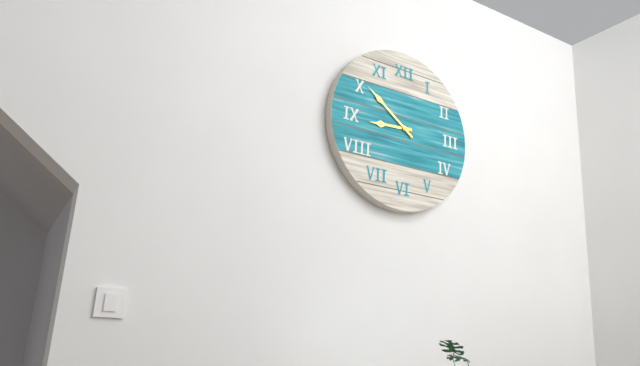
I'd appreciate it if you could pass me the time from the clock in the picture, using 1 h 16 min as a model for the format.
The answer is 8 h 51 min
